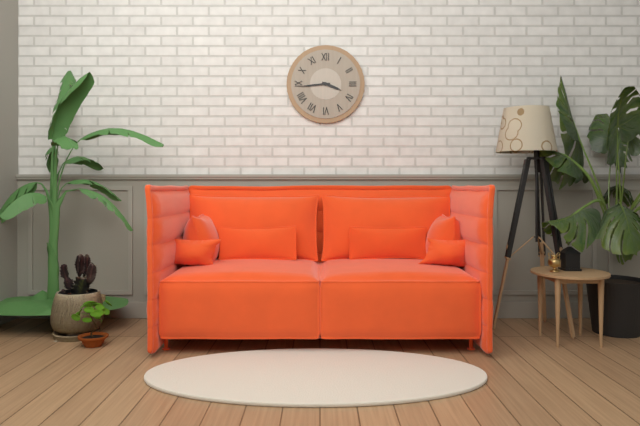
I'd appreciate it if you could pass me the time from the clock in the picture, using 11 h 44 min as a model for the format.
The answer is 3 h 44 min
